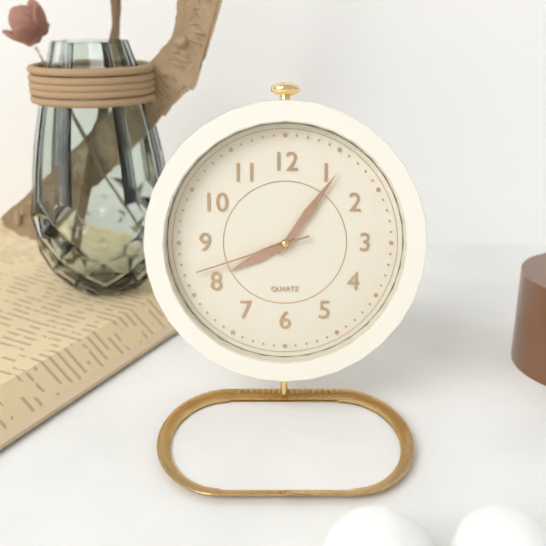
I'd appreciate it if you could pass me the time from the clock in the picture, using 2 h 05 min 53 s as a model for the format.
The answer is 8 h 06 min 42 s
